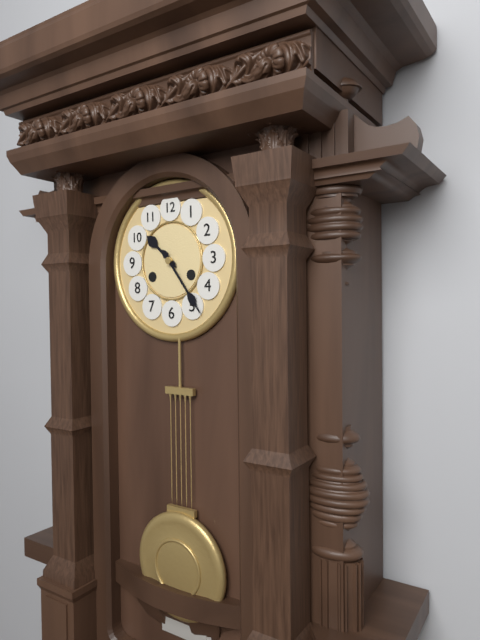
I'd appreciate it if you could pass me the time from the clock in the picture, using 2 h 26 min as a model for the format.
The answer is 10 h 24 min
